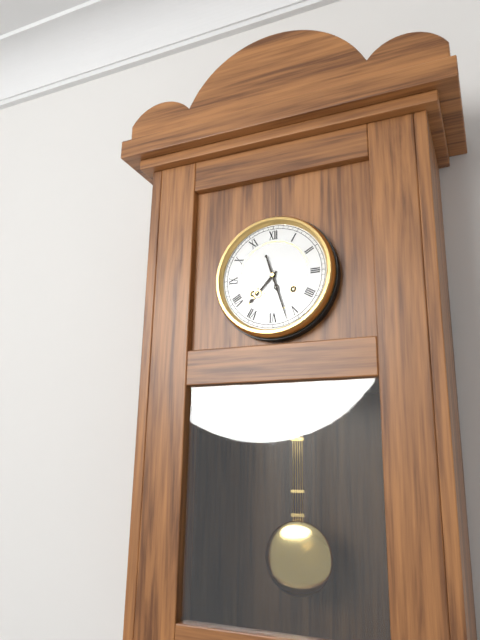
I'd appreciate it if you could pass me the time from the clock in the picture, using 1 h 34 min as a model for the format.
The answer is 7 h 27 min
